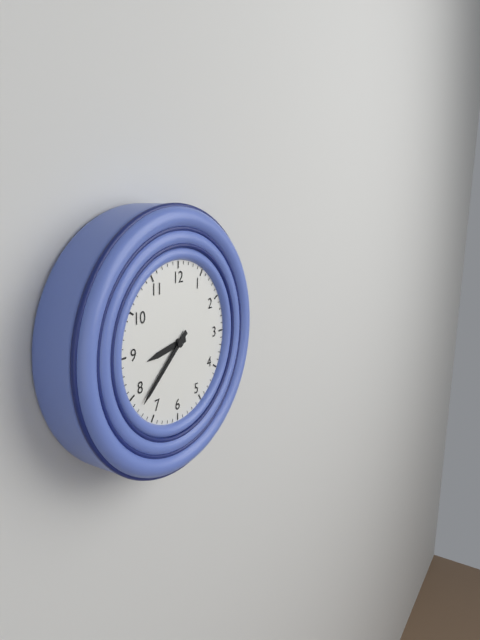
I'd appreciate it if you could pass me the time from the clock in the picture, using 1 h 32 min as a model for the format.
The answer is 8 h 38 min
